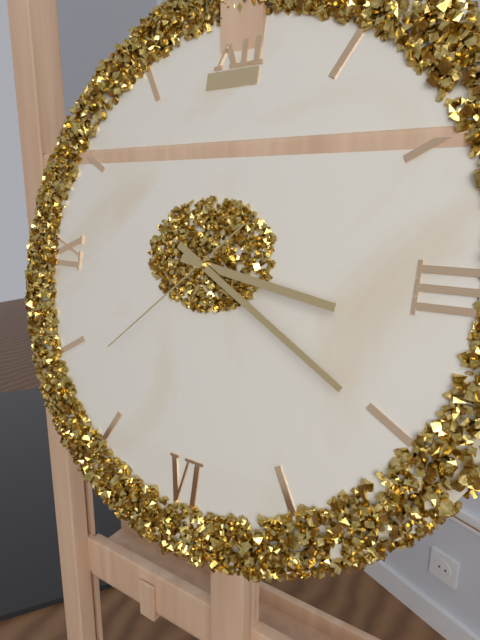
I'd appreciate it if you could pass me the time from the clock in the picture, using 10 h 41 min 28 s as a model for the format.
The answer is 3 h 20 min 38 s
